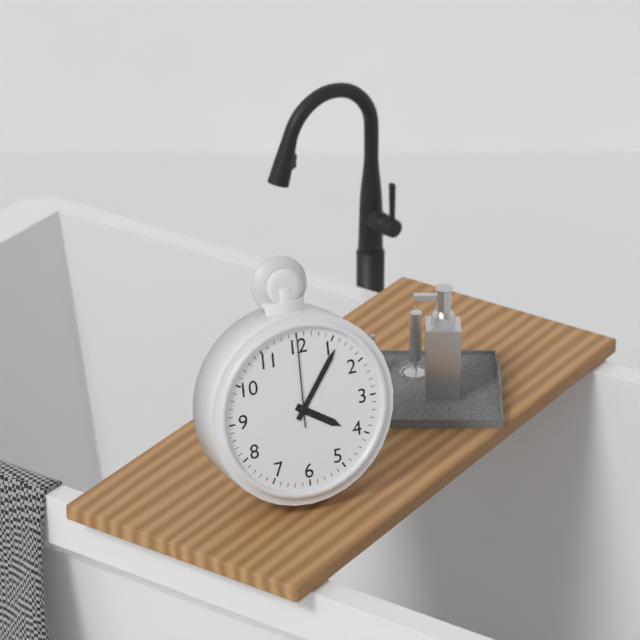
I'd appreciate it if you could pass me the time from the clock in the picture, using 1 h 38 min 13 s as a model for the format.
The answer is 4 h 06 min 00 s
